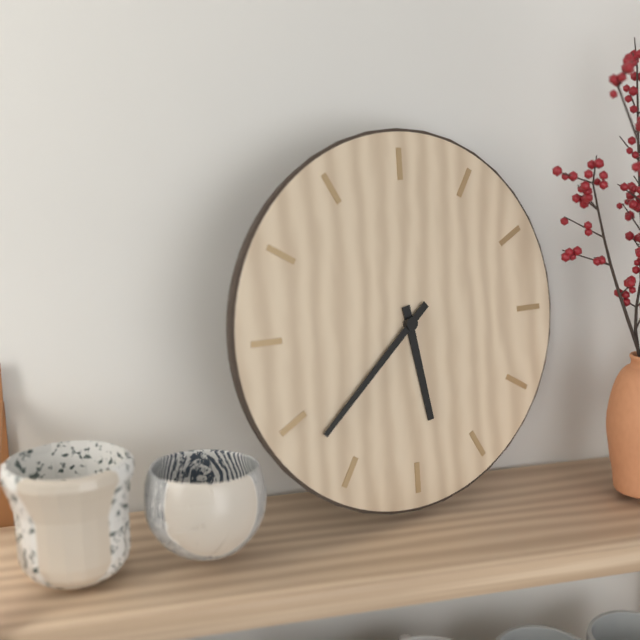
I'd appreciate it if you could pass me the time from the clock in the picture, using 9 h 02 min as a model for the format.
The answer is 5 h 38 min
